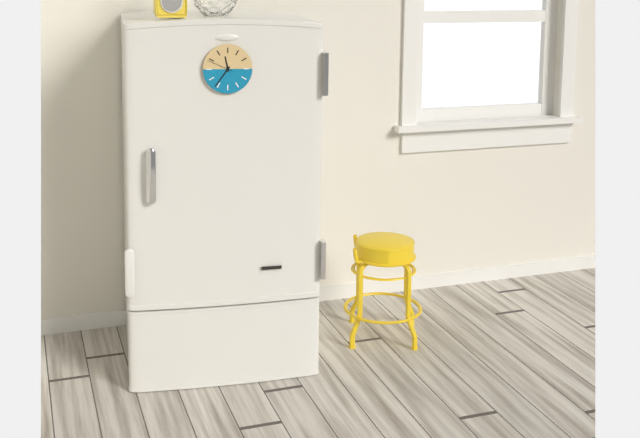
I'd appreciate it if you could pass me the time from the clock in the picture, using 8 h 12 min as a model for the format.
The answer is 11 h 36 min
